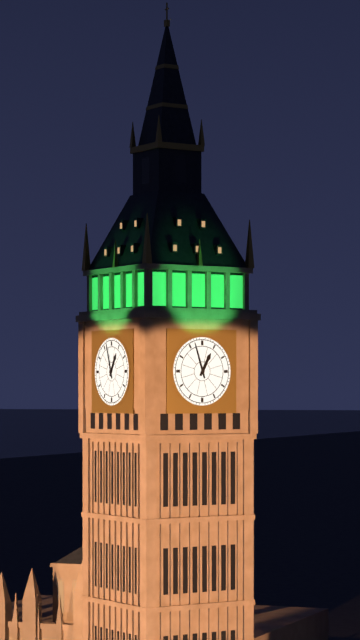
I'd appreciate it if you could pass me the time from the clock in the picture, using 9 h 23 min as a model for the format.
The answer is 12 h 57 min
